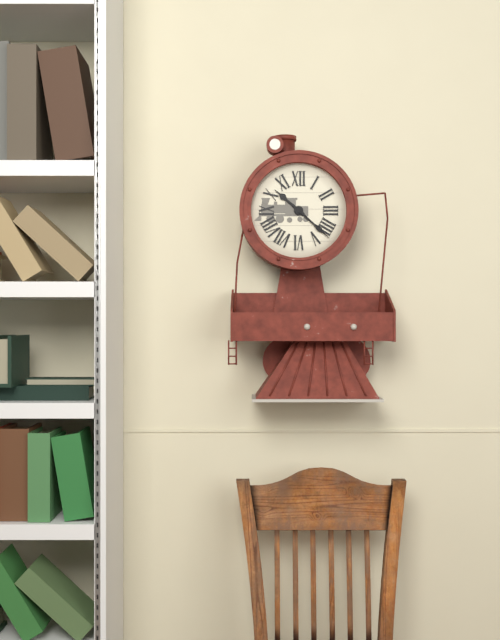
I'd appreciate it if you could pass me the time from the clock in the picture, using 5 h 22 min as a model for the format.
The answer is 10 h 22 min
